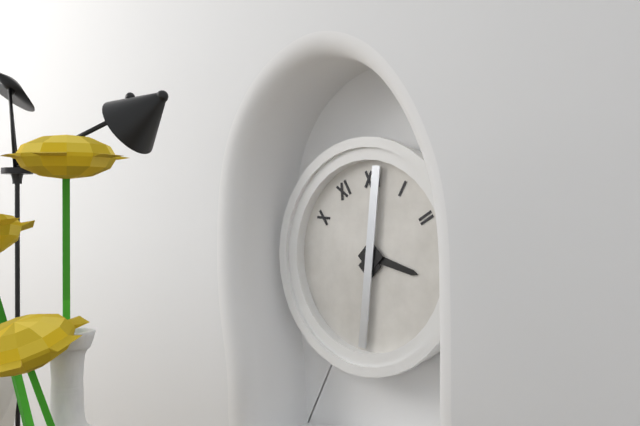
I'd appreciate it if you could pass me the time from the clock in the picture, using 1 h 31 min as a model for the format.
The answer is 3 h 31 min
